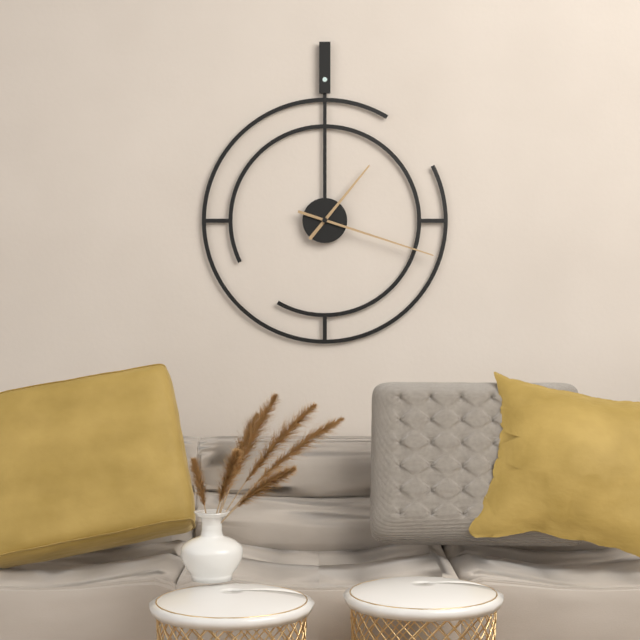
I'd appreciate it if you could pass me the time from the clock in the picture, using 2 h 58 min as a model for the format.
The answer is 1 h 18 min
